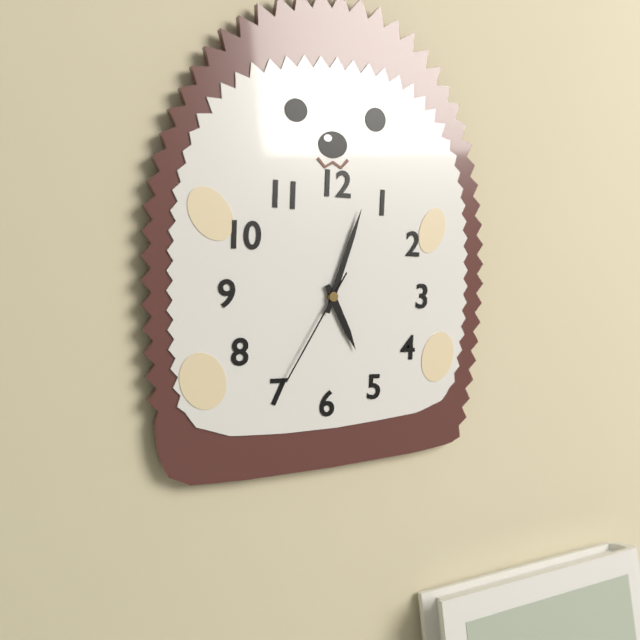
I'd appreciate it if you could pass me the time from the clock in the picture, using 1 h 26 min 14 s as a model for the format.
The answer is 5 h 03 min 35 s
